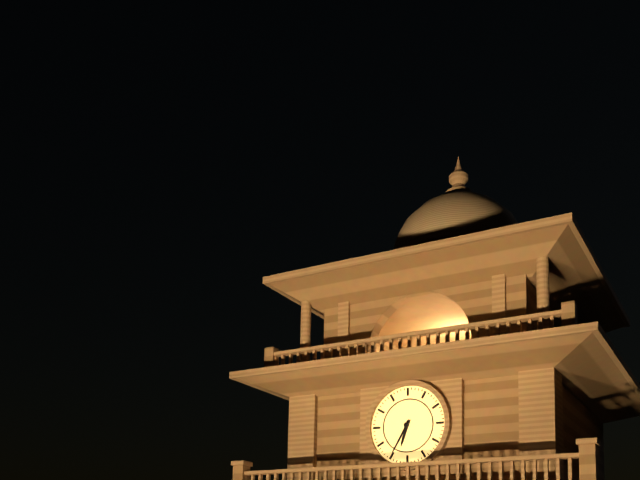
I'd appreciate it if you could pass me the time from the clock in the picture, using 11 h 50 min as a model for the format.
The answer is 6 h 35 min
